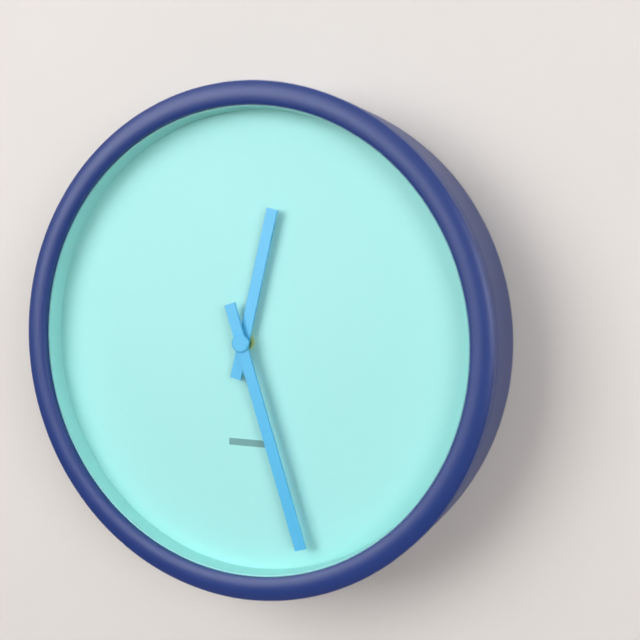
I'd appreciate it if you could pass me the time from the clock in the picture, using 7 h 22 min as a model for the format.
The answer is 12 h 27 min
